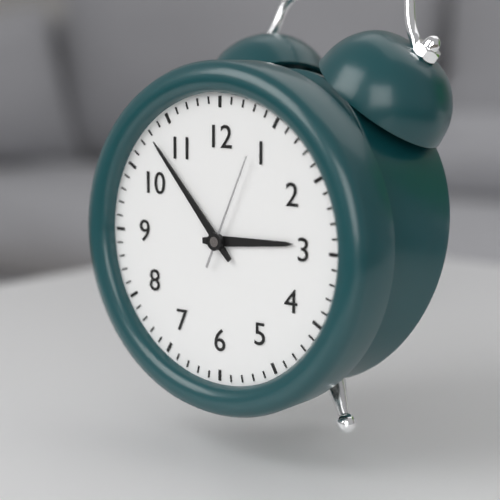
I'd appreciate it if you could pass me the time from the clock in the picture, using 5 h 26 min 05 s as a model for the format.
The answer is 2 h 53 min 04 s
